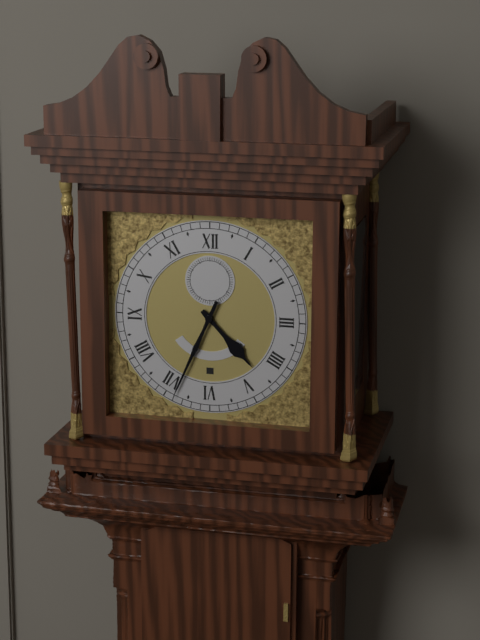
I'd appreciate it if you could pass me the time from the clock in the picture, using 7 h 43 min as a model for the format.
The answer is 4 h 34 min
